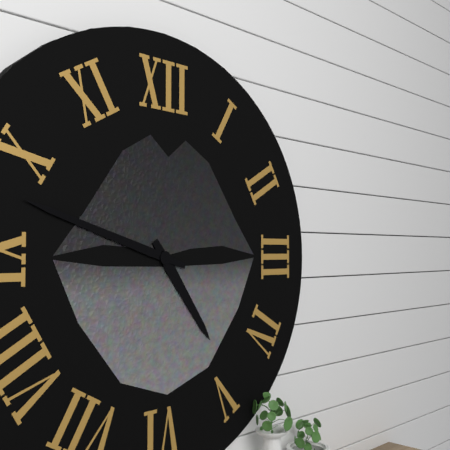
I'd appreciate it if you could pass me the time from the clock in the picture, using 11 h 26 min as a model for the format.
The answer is 4 h 48 min
